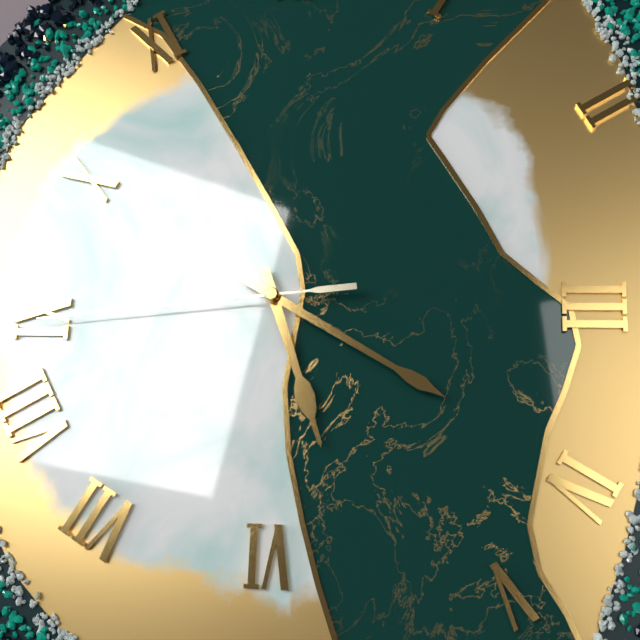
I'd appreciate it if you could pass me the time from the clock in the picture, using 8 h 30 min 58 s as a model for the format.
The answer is 5 h 20 min 44 s
